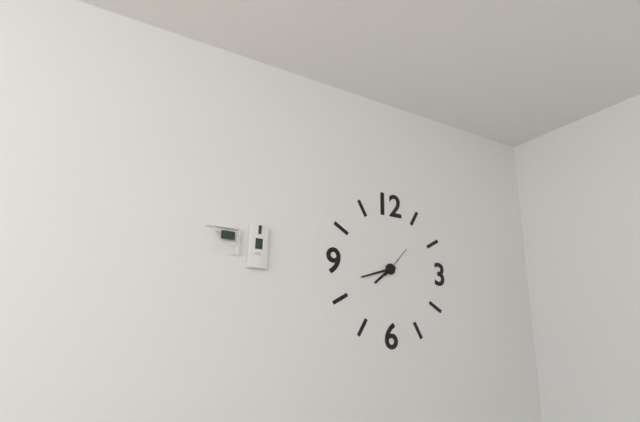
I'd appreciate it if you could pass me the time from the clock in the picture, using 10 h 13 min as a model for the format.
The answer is 7 h 42 min
